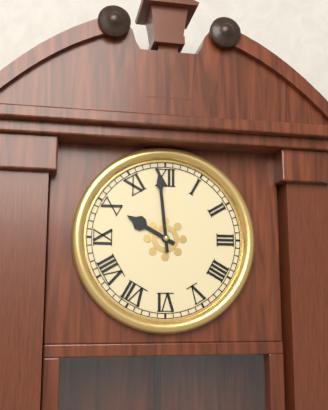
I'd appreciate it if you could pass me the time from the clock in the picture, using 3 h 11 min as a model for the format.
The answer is 9 h 59 min
